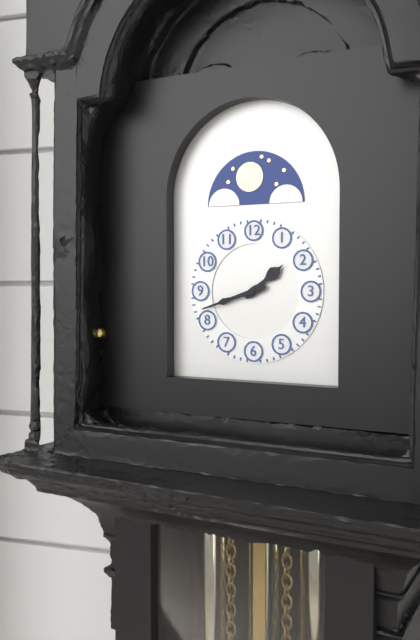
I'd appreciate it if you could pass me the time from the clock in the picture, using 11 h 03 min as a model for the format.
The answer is 1 h 42 min
